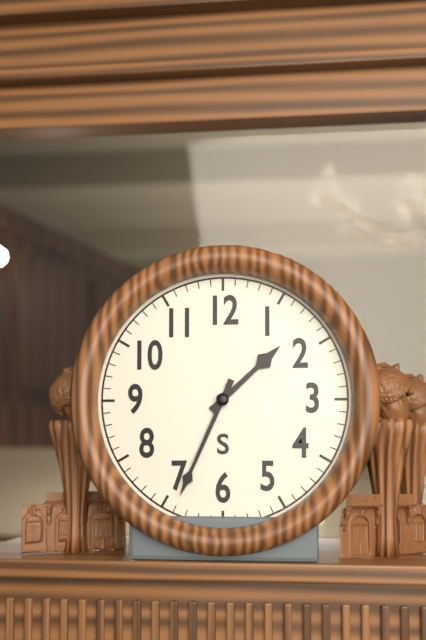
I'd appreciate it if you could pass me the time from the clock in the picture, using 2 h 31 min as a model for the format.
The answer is 1 h 34 min
